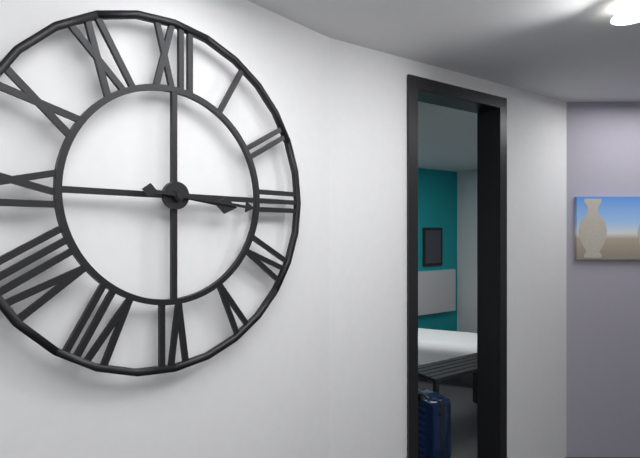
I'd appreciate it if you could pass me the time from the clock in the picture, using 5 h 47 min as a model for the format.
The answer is 3 h 16 min
